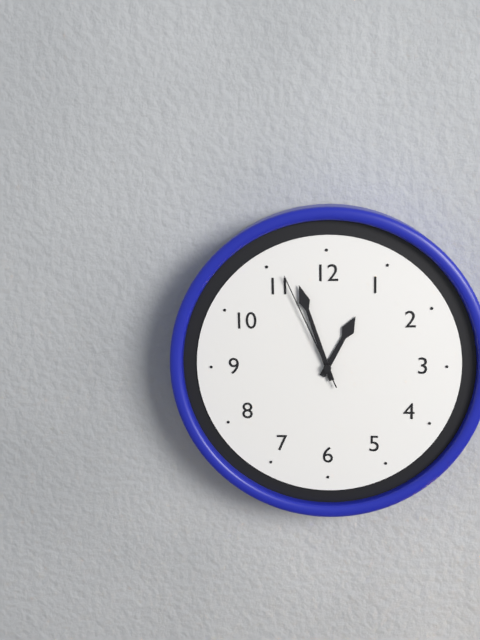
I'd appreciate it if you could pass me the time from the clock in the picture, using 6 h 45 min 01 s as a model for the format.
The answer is 12 h 57 min 56 s
